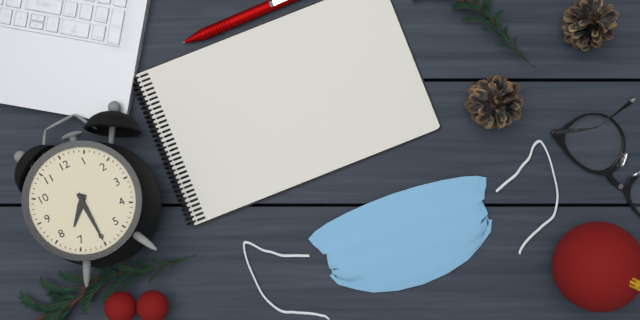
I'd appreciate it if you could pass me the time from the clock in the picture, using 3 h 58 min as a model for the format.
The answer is 7 h 30 min
